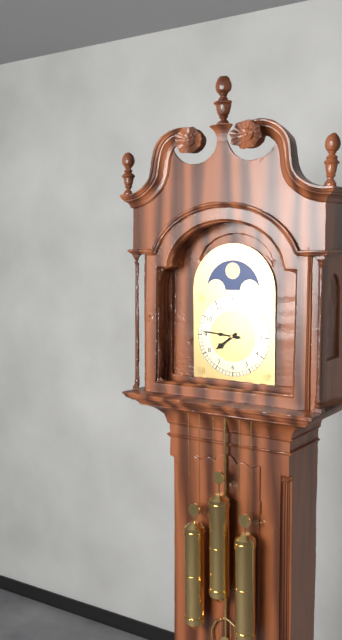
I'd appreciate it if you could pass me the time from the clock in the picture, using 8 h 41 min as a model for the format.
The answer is 7 h 46 min
